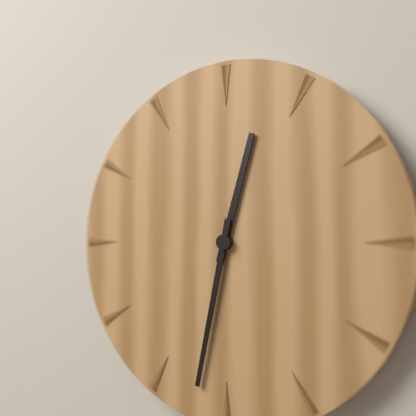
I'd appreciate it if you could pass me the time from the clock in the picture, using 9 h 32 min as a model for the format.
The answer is 12 h 32 min
